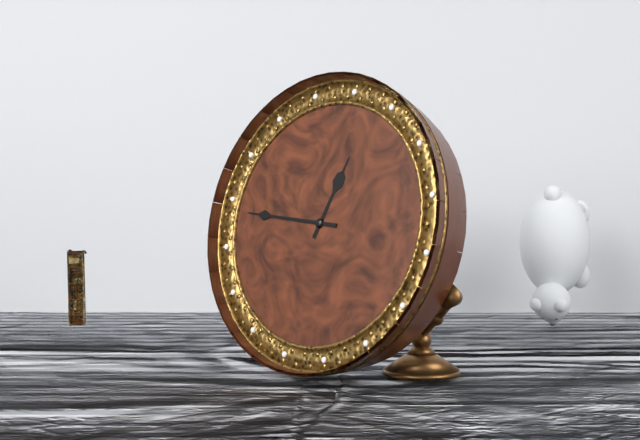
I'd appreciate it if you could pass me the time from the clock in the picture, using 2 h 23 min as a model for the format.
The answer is 12 h 46 min
